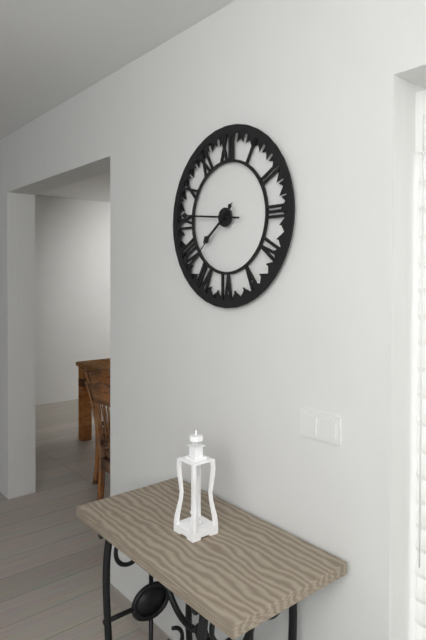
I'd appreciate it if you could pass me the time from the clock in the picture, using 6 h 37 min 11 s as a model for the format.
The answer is 7 h 46 min 38 s
